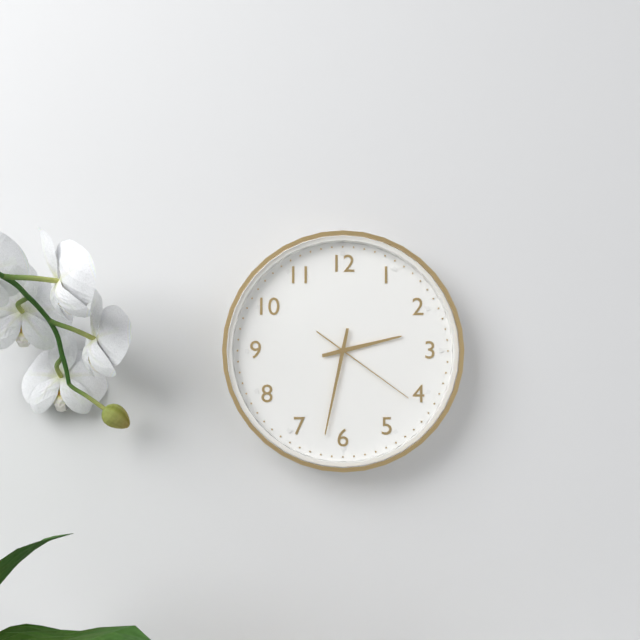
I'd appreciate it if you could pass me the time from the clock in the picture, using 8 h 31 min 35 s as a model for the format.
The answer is 2 h 32 min 21 s
